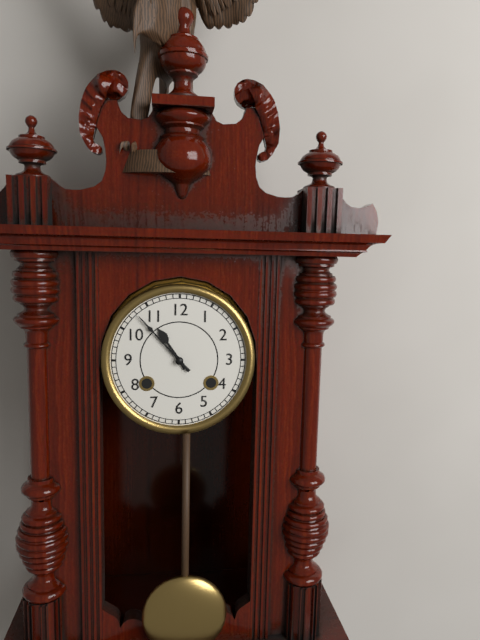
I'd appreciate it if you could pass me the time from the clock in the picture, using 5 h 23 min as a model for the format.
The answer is 10 h 53 min
